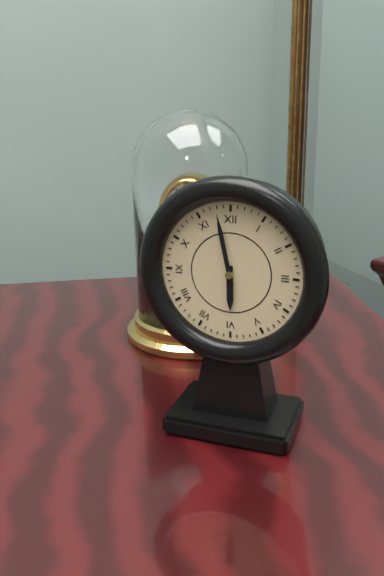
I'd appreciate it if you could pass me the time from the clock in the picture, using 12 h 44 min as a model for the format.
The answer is 5 h 58 min
